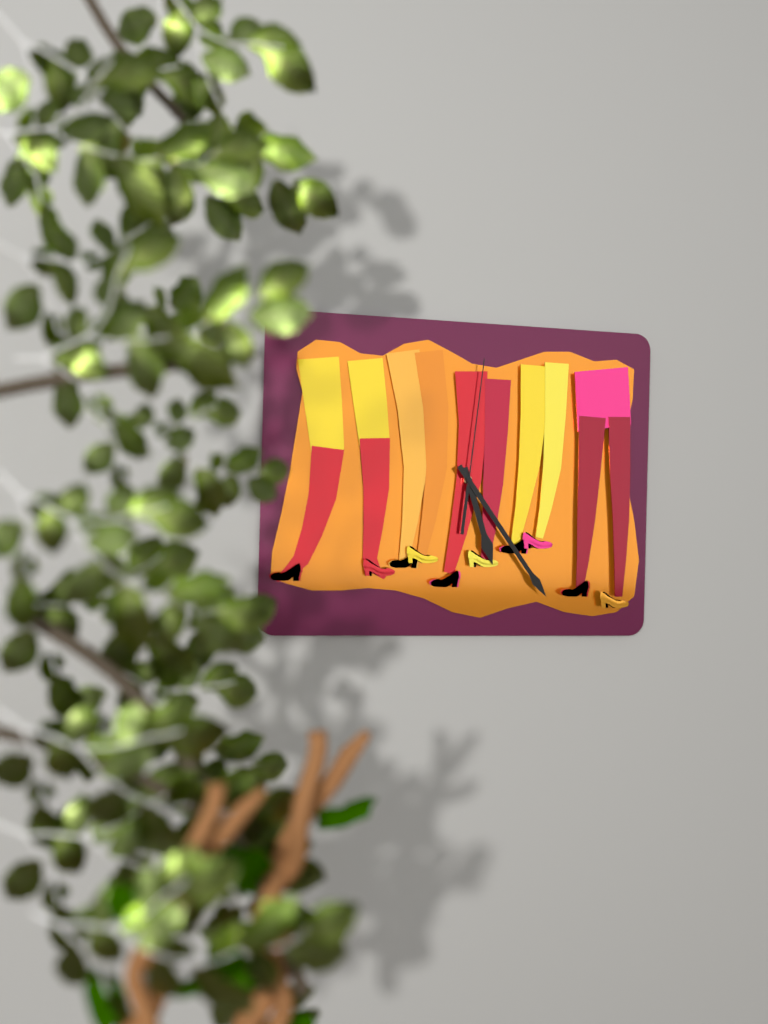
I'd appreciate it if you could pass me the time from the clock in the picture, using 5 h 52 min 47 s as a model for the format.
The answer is 5 h 24 min 01 s
